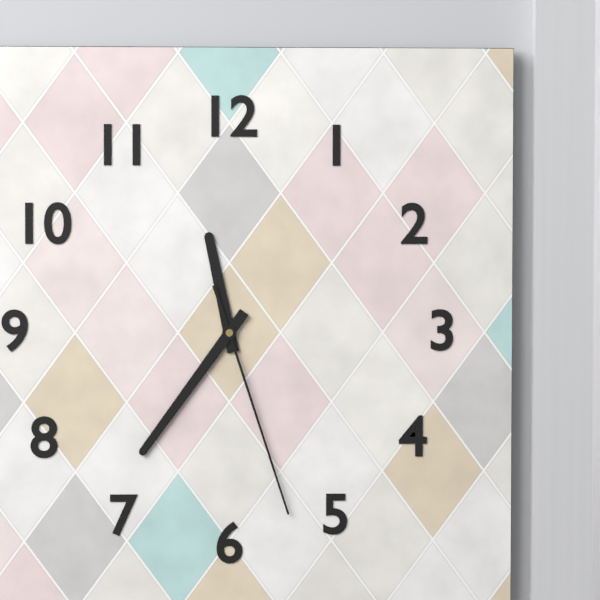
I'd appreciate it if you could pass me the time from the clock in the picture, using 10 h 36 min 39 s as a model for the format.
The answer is 11 h 36 min 27 s
